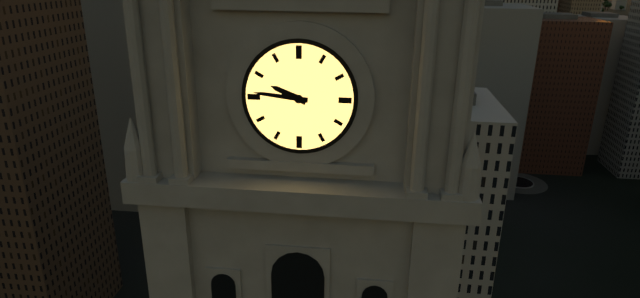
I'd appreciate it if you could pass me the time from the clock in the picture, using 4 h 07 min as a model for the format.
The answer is 9 h 46 min
